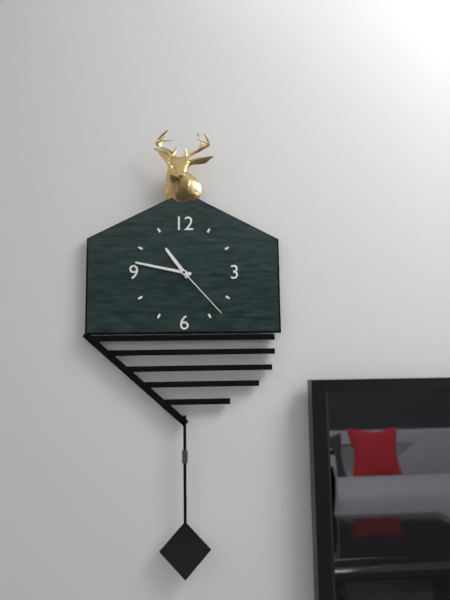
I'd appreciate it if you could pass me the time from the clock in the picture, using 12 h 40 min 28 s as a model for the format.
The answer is 10 h 47 min 23 s
